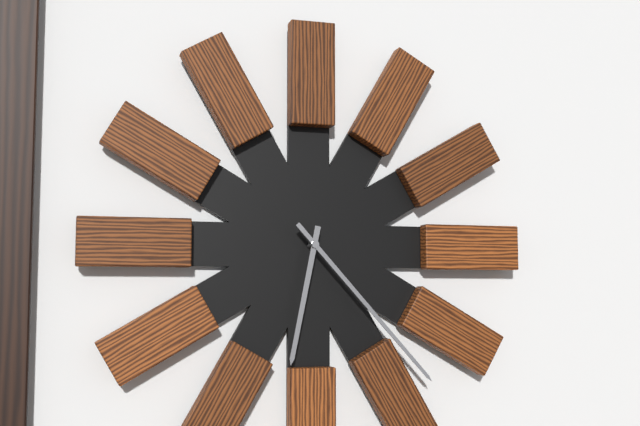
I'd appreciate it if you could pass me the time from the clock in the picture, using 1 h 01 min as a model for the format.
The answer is 6 h 23 min
